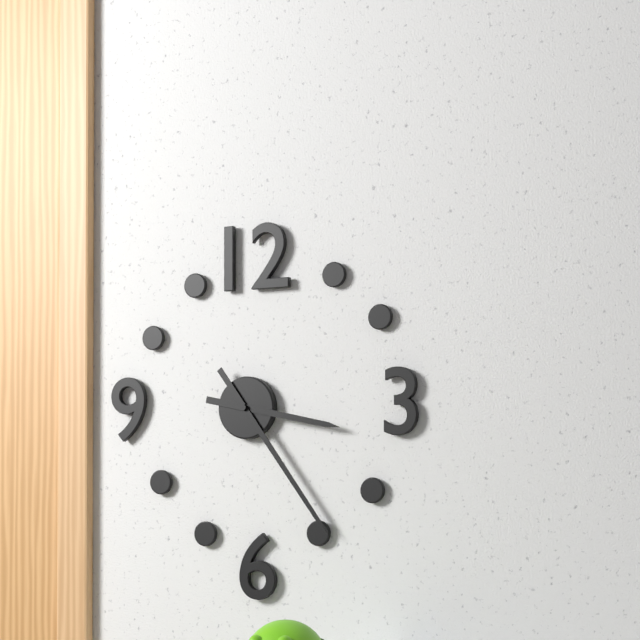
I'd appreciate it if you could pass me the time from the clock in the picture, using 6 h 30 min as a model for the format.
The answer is 3 h 24 min
